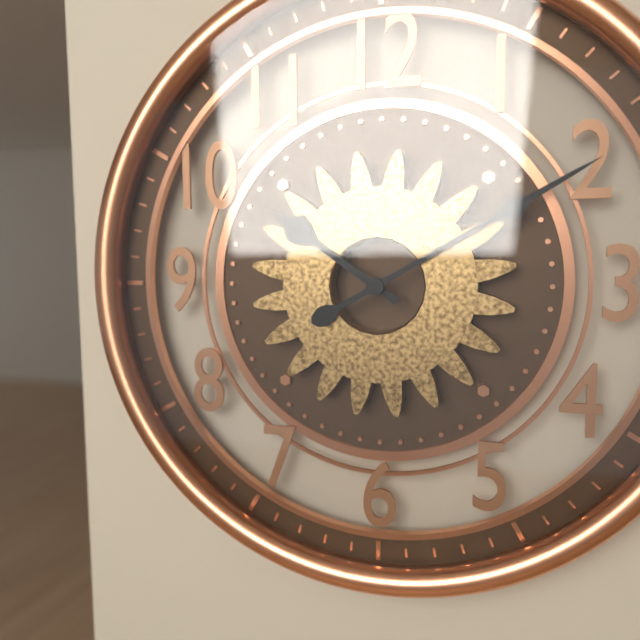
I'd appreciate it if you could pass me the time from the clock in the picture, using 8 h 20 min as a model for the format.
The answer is 10 h 10 min
